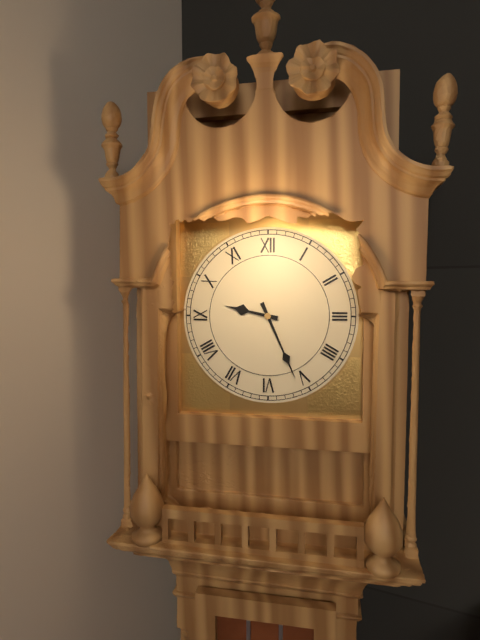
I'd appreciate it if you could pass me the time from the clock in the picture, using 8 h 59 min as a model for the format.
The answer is 9 h 26 min
